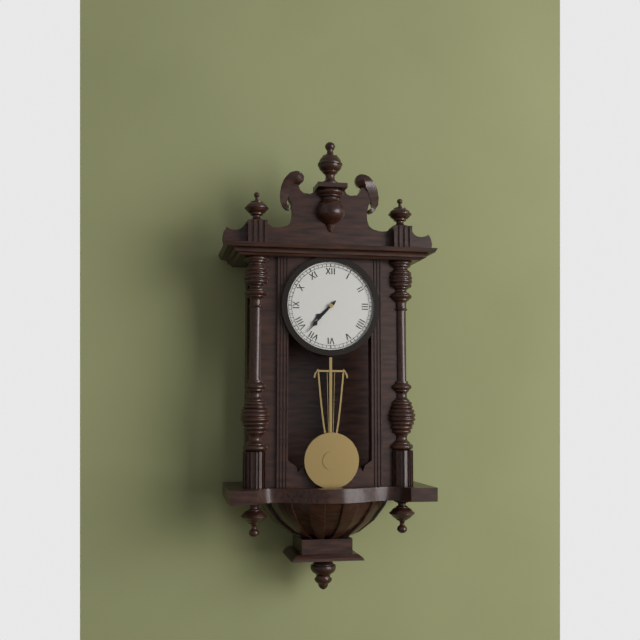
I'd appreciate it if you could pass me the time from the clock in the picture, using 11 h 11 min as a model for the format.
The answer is 7 h 37 min
